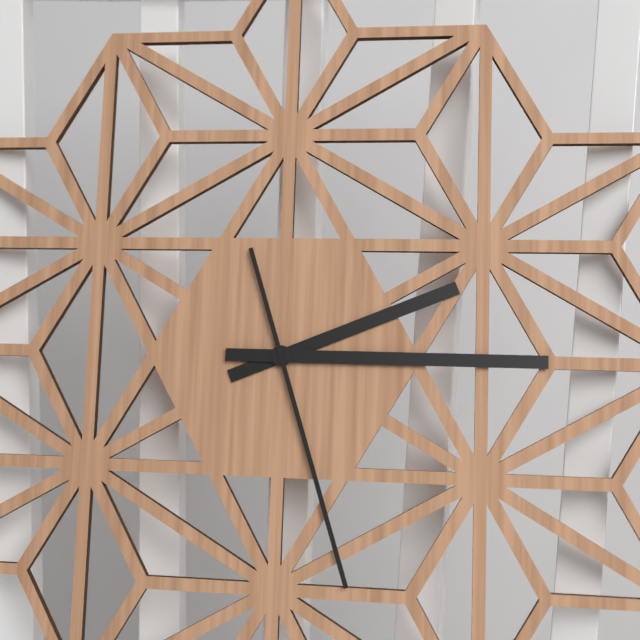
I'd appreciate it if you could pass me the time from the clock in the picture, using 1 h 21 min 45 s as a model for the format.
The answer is 2 h 15 min 27 s
